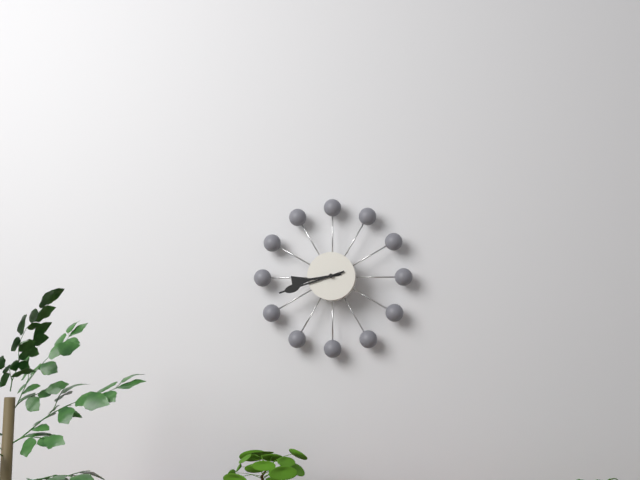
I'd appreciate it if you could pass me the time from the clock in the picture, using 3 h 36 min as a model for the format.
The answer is 8 h 42 min
